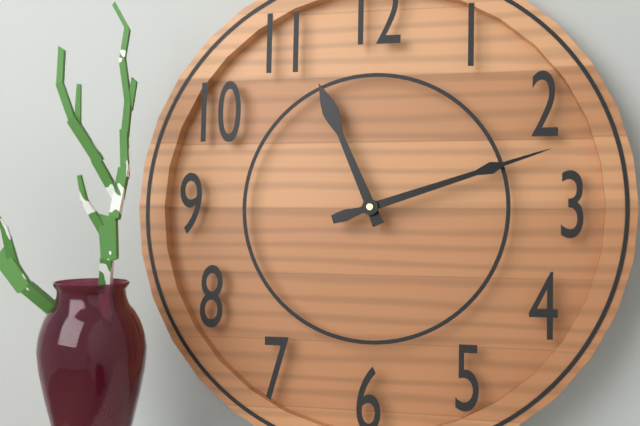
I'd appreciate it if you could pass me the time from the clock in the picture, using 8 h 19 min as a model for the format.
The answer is 11 h 12 min
